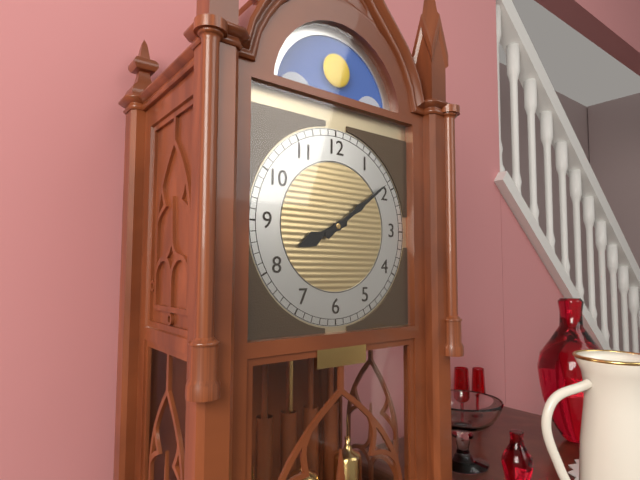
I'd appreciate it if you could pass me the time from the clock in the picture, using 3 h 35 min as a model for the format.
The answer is 8 h 09 min
